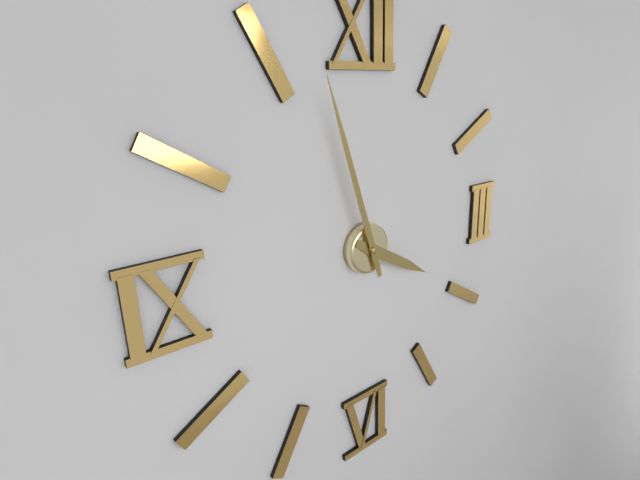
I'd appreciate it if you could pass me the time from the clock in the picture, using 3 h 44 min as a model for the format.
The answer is 3 h 57 min
